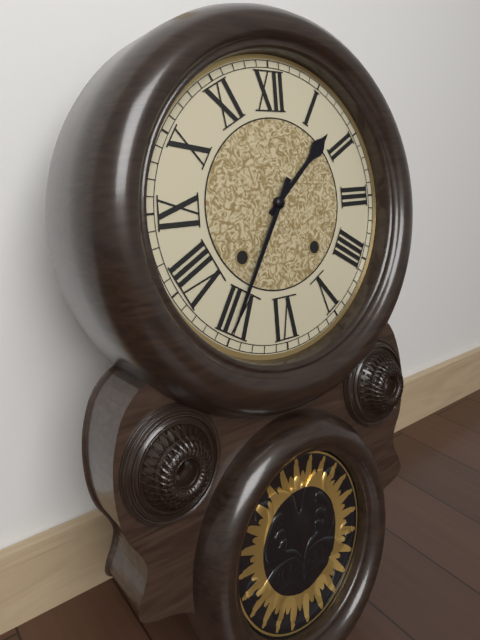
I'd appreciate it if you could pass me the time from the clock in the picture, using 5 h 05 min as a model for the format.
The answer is 1 h 35 min
